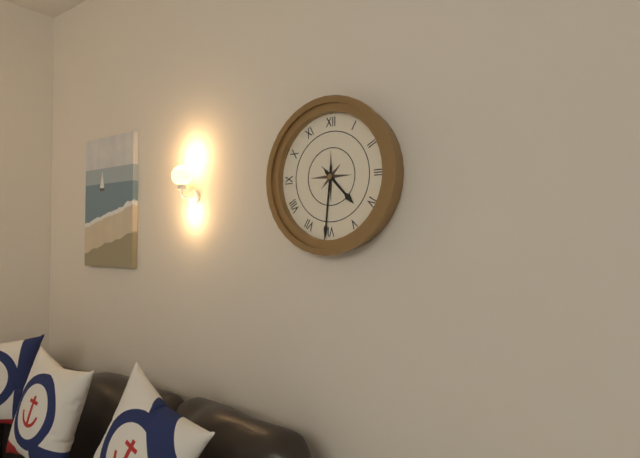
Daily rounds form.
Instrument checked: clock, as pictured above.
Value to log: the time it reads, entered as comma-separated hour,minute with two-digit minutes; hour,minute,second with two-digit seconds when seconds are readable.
4,31
